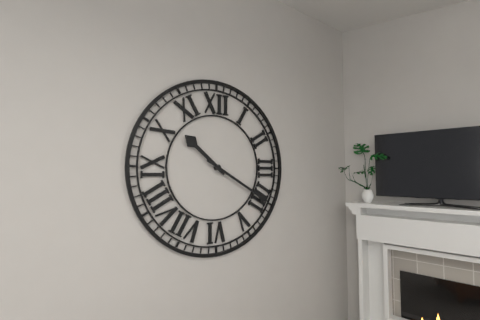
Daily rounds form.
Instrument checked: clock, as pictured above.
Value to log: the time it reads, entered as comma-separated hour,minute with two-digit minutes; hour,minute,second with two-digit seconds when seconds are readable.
10,20
